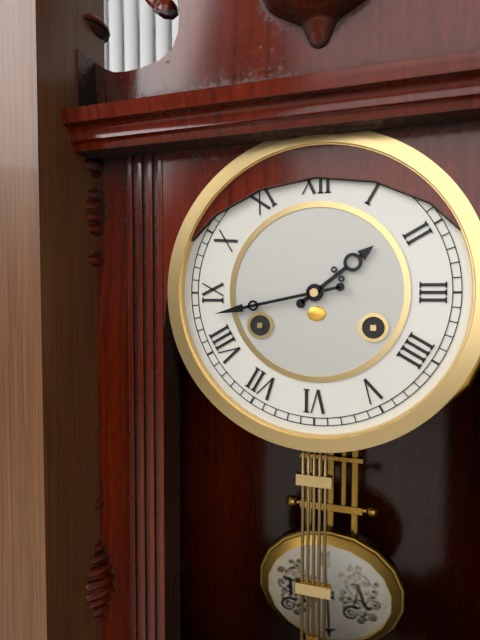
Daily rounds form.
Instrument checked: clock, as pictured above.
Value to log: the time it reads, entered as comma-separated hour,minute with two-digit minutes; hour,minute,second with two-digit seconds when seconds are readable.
1,43
